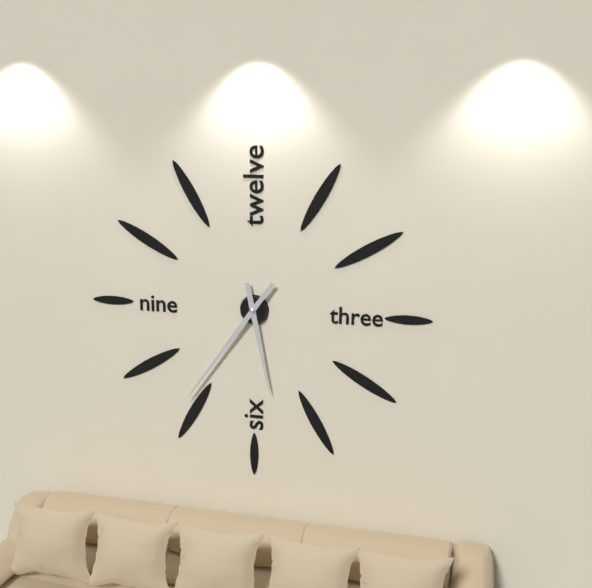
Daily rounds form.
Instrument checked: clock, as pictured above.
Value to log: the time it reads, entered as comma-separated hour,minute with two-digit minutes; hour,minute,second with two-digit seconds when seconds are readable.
5,36
